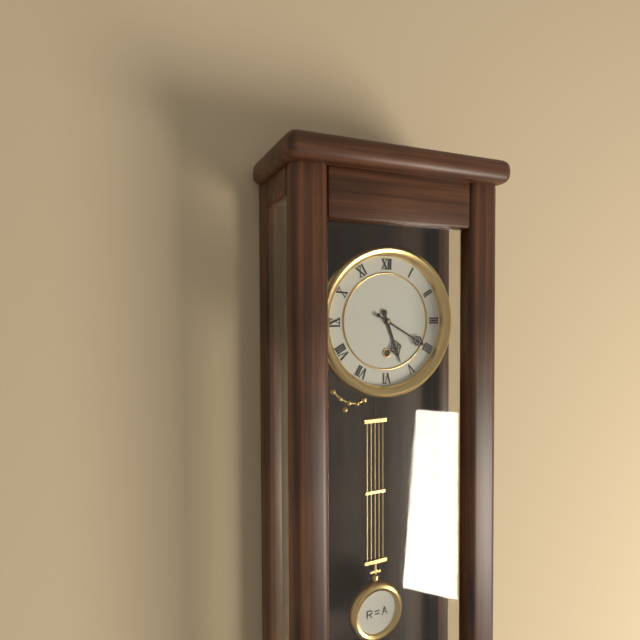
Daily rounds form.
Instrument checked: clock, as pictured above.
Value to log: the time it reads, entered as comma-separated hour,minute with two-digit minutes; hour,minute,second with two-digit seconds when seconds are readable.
5,20
